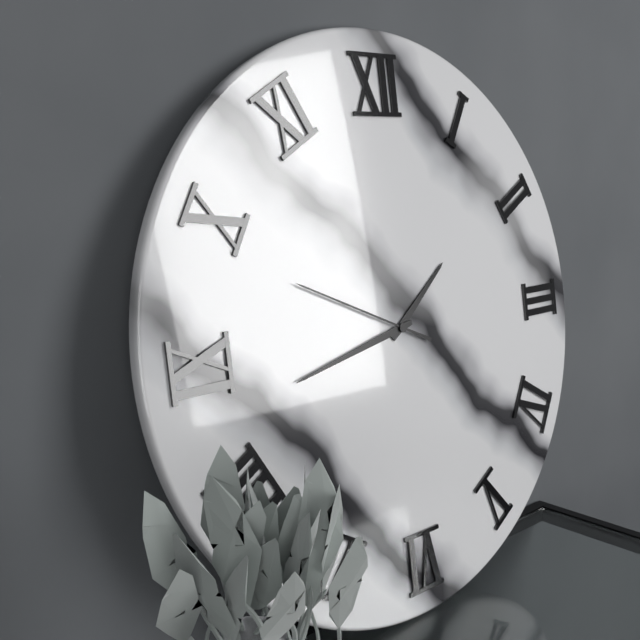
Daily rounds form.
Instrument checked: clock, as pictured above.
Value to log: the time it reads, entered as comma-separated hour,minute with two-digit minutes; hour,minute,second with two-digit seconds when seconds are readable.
1,43,49
